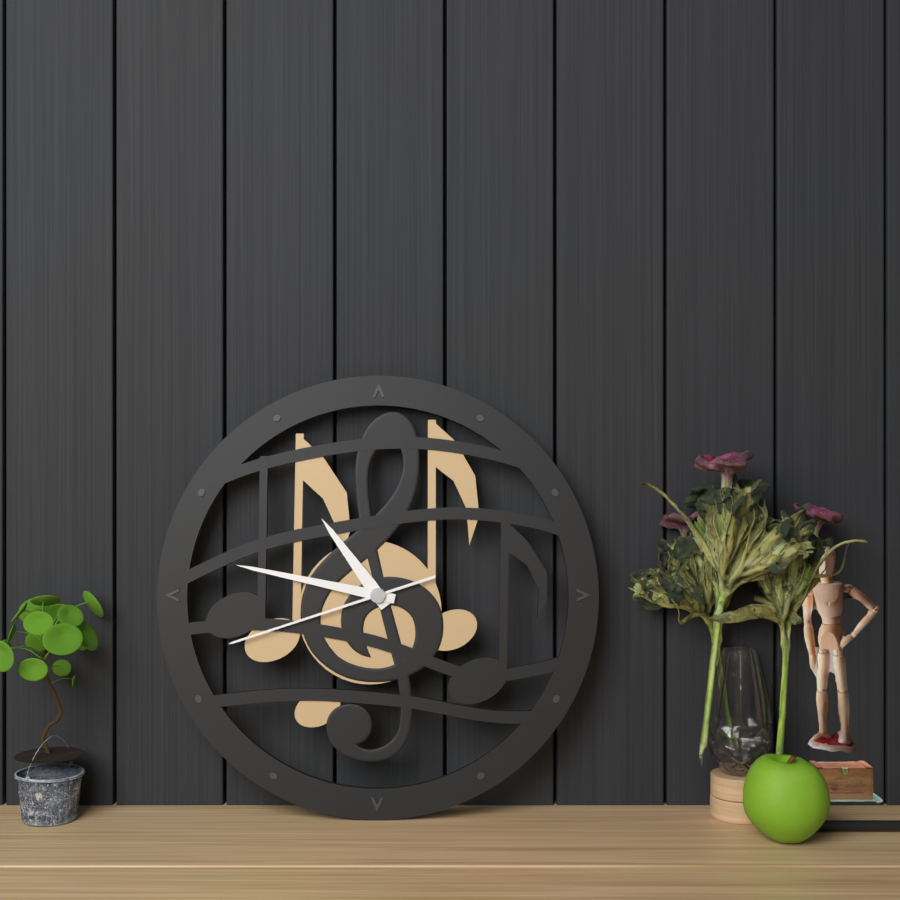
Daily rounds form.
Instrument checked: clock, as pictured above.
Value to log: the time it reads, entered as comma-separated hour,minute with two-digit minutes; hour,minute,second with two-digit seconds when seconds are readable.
10,47,42
